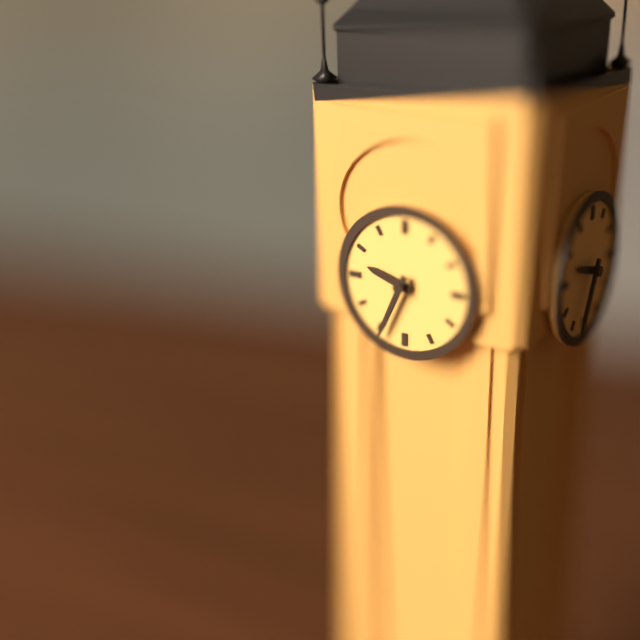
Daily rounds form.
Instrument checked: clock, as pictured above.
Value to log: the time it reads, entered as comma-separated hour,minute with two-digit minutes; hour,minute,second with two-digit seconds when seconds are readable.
9,34
